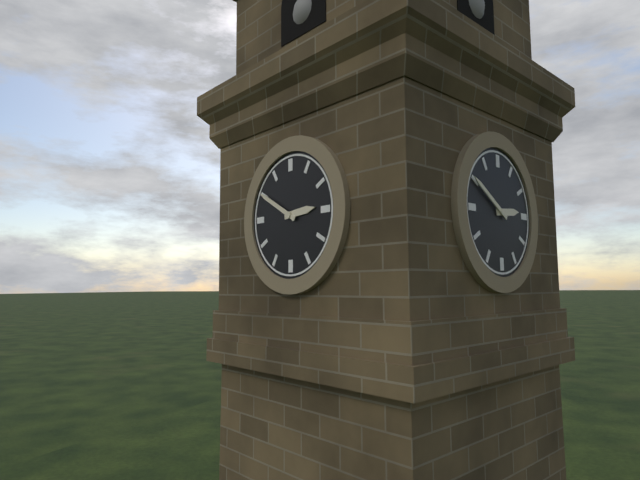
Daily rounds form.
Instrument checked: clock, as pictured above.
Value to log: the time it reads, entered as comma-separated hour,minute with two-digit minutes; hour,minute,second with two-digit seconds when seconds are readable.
2,50
